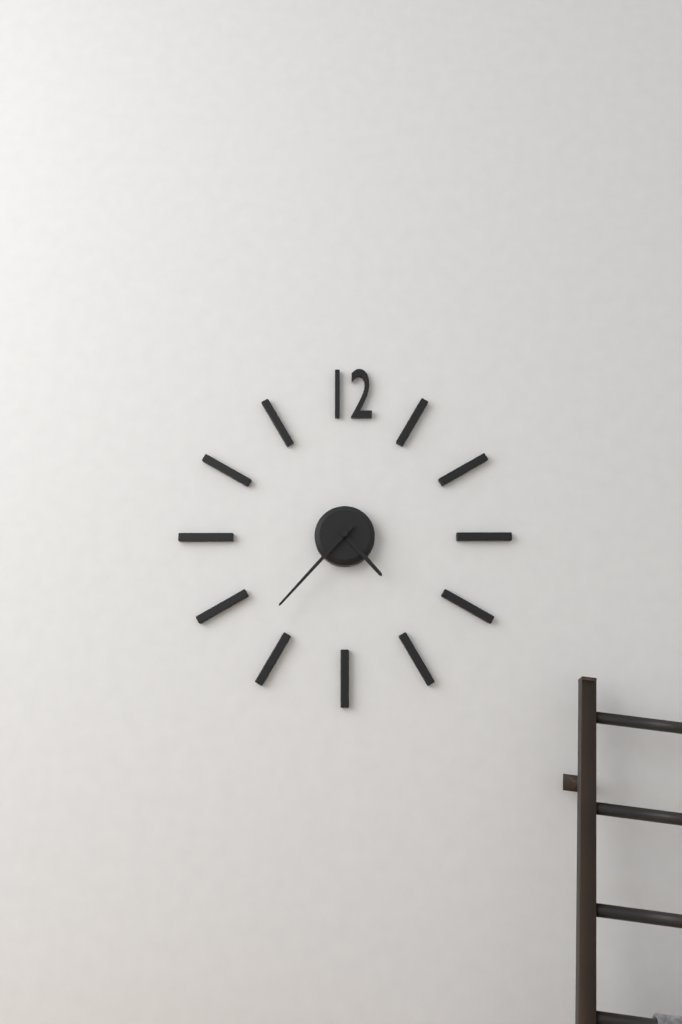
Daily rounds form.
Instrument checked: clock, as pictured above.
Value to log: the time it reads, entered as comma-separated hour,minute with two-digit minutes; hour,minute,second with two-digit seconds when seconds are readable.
4,37
